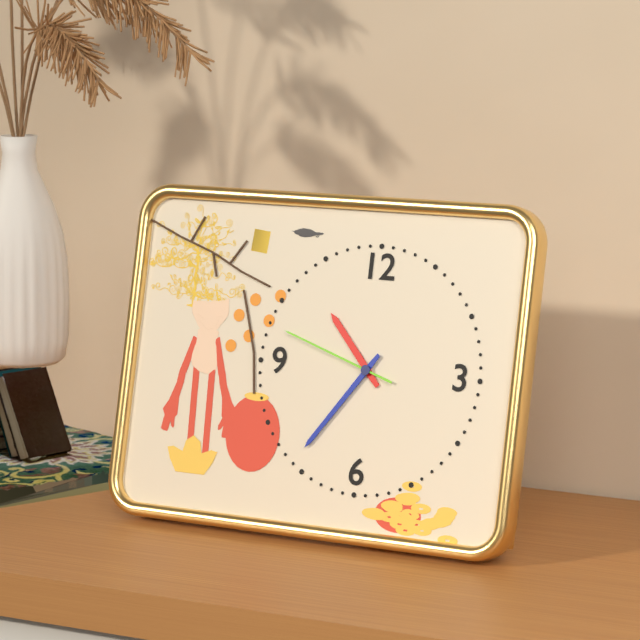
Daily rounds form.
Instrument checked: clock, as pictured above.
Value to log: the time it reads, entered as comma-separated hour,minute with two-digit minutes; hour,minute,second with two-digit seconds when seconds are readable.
10,36,48
